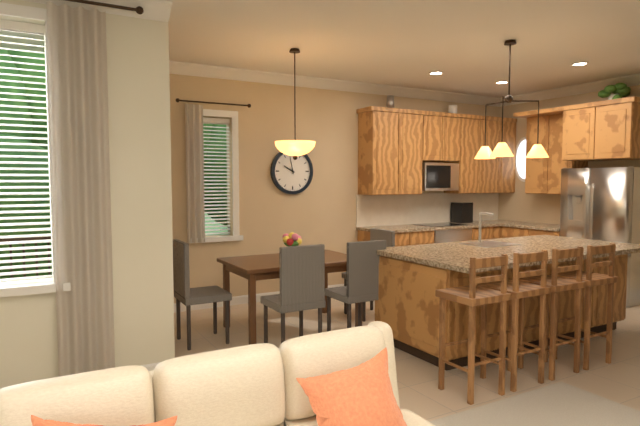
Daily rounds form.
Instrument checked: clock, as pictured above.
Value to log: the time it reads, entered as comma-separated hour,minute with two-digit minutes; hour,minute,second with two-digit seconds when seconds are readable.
9,58
